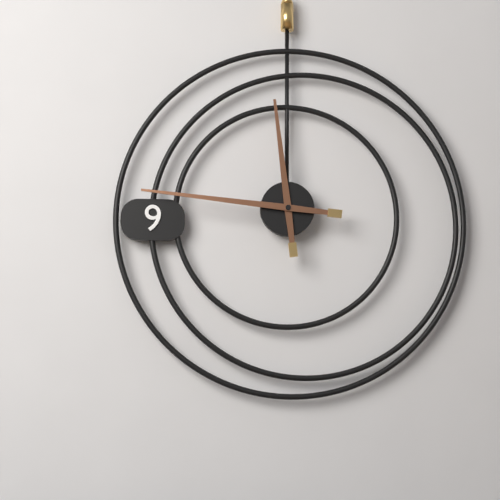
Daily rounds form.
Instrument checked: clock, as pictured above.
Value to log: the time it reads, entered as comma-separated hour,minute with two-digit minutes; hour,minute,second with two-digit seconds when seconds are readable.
11,46
